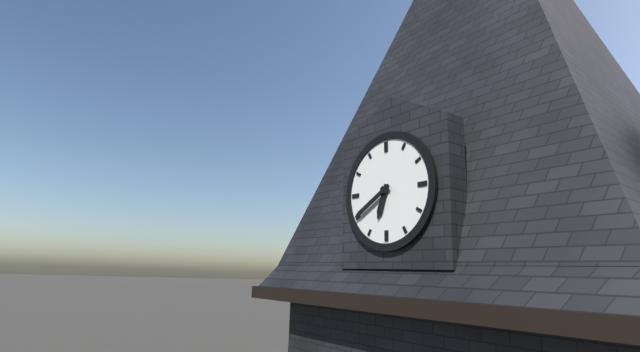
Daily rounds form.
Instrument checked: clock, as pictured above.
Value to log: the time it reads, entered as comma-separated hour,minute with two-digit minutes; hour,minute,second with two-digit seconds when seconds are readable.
6,40
